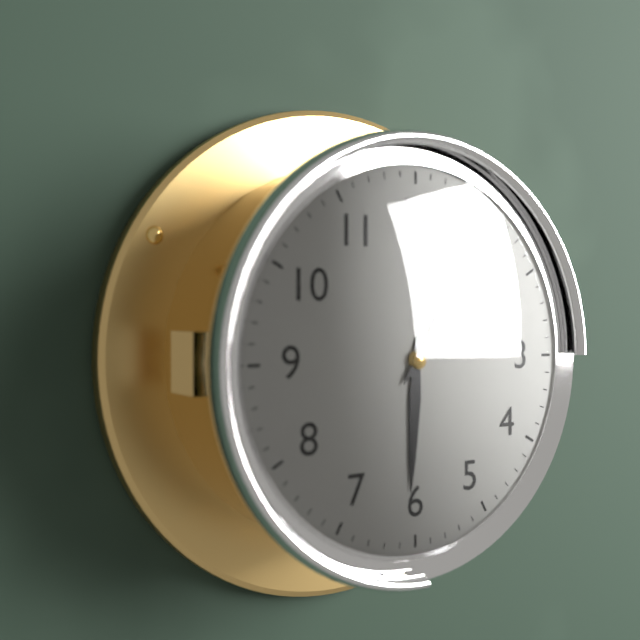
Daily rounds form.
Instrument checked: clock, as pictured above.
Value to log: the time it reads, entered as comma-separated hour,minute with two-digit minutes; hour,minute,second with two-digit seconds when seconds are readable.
6,06
